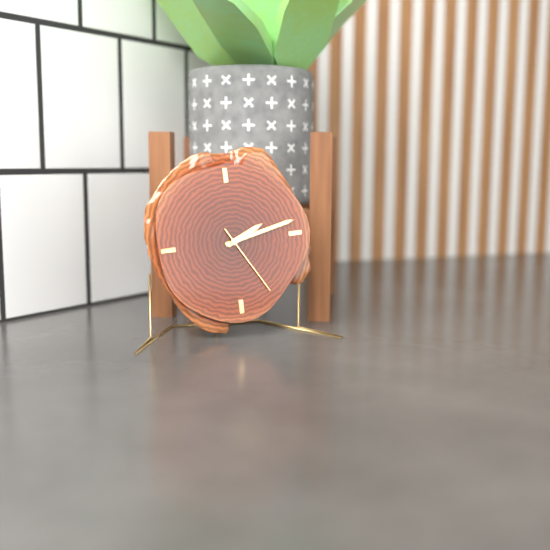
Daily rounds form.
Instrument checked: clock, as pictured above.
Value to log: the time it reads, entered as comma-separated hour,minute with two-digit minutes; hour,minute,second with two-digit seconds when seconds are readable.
2,13,25
